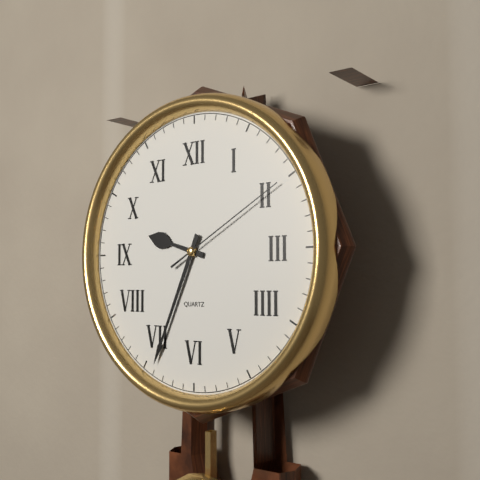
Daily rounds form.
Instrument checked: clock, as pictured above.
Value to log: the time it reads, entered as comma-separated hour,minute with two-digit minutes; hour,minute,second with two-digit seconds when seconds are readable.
9,34,10
